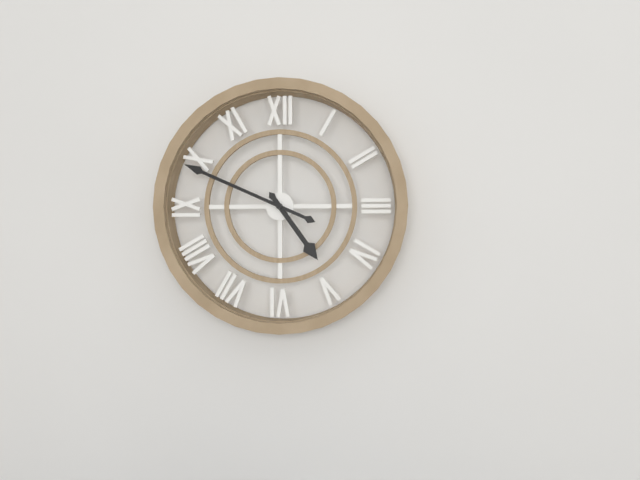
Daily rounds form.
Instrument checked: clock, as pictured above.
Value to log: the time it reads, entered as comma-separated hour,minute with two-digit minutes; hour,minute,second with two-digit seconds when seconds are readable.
4,49
